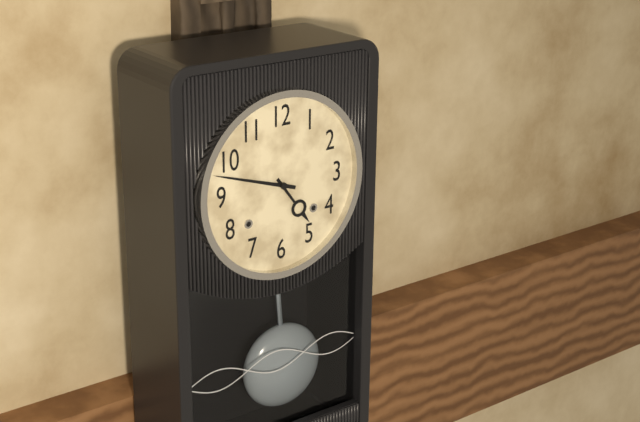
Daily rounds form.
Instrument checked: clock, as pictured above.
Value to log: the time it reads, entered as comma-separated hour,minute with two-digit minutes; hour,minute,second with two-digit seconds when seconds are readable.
4,48
